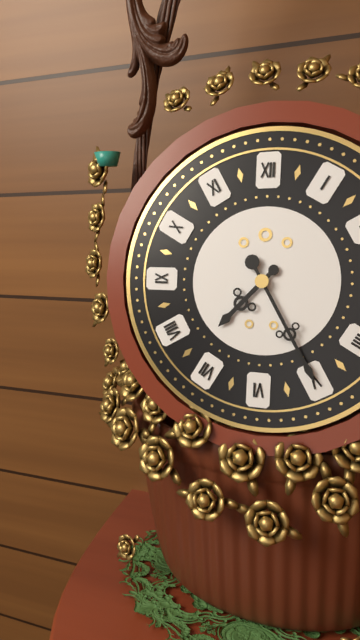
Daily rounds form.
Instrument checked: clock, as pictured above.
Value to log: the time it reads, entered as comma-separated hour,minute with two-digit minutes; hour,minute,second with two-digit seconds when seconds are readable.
7,25
